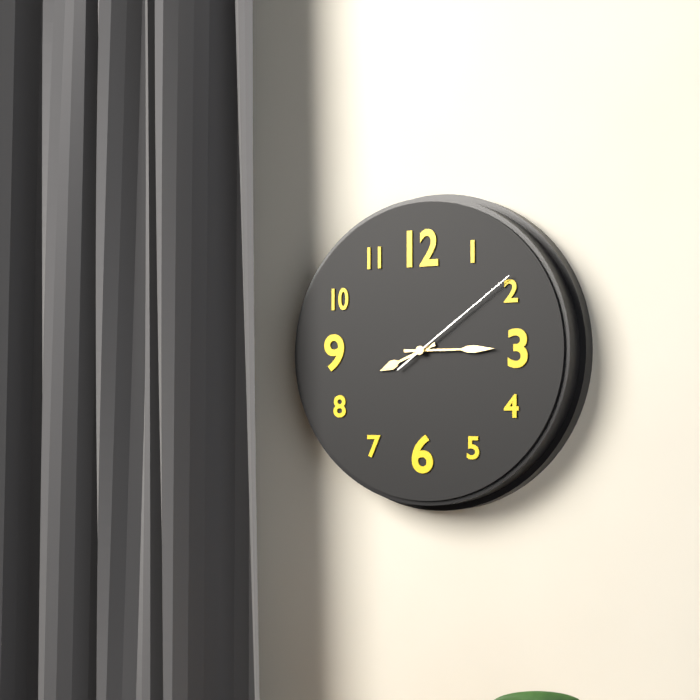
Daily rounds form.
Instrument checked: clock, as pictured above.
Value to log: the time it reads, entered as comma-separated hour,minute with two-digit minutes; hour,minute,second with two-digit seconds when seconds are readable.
8,15,09
